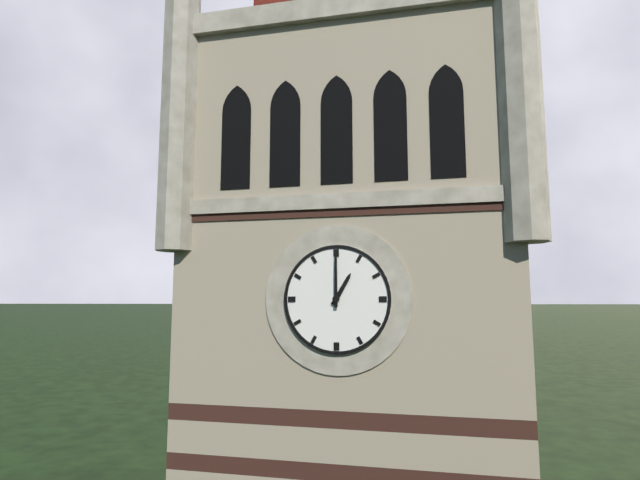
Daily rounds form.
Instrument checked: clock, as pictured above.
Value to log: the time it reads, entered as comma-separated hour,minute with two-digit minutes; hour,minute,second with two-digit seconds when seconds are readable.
1,00
